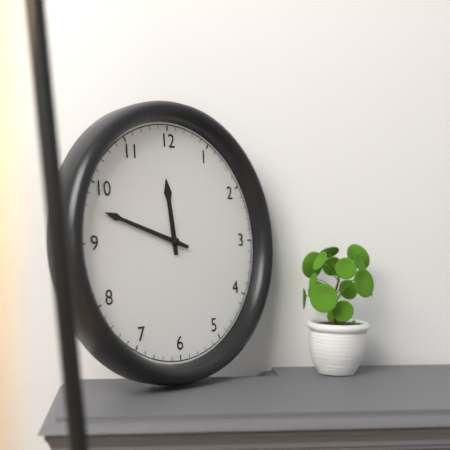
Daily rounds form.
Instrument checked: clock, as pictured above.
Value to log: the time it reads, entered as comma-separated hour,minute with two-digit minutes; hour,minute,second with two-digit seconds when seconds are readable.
11,48
